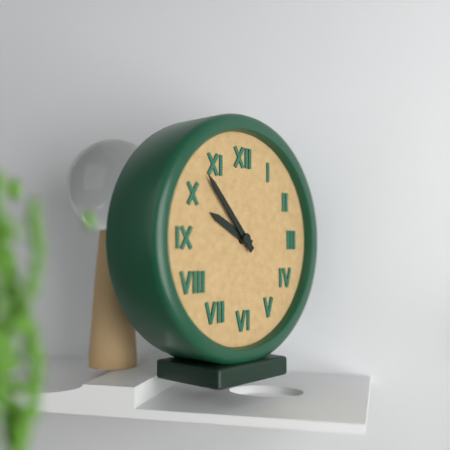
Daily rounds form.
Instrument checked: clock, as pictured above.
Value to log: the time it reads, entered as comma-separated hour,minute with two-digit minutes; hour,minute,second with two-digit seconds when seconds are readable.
9,53
